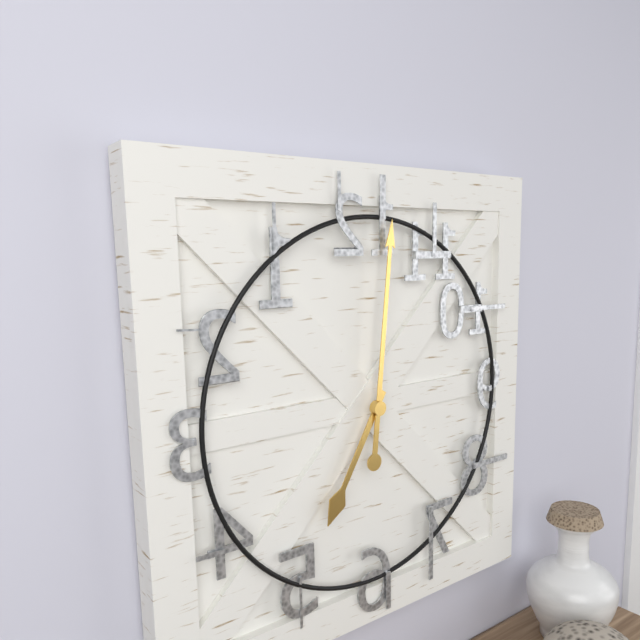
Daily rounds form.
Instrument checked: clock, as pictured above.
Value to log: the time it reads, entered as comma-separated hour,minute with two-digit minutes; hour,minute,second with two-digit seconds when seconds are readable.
7,01
